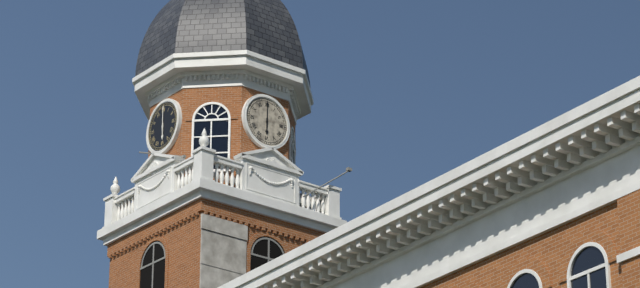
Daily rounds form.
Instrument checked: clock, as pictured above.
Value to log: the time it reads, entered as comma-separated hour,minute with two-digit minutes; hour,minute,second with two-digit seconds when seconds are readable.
6,00
